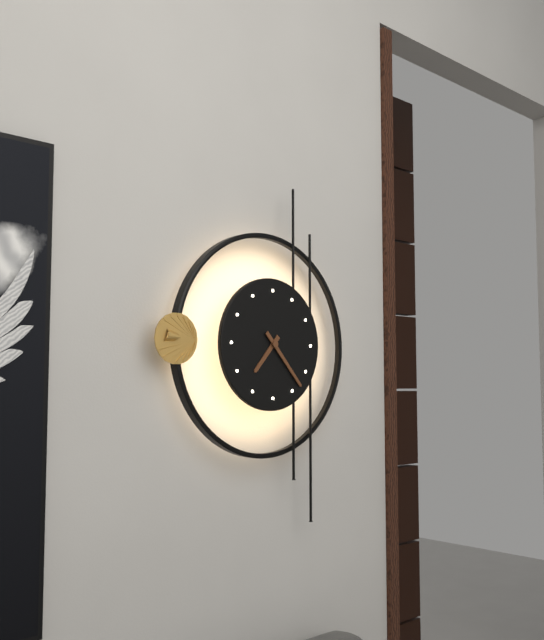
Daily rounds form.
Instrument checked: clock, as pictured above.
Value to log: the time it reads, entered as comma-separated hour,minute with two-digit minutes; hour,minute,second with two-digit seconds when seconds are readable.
7,23
